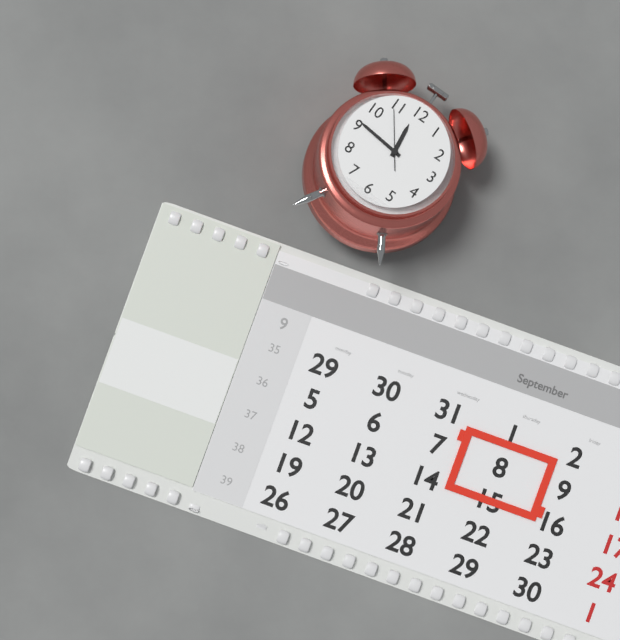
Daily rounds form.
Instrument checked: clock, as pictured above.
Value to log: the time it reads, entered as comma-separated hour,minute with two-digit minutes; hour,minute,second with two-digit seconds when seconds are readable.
11,46,54
